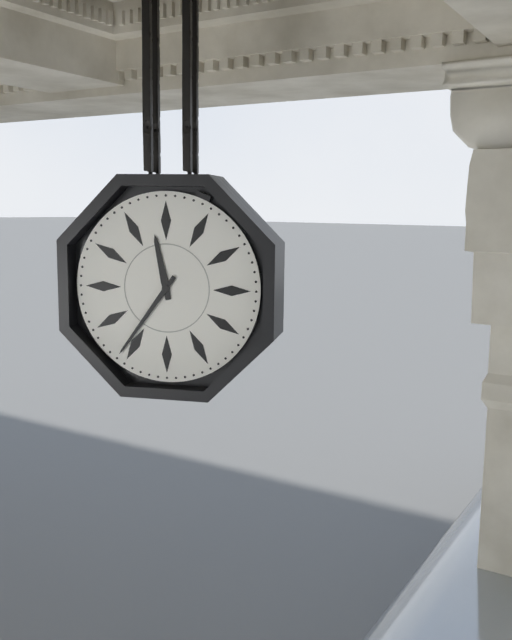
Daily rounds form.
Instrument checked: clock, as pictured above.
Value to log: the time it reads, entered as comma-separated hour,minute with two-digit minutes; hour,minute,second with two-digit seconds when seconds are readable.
11,36
